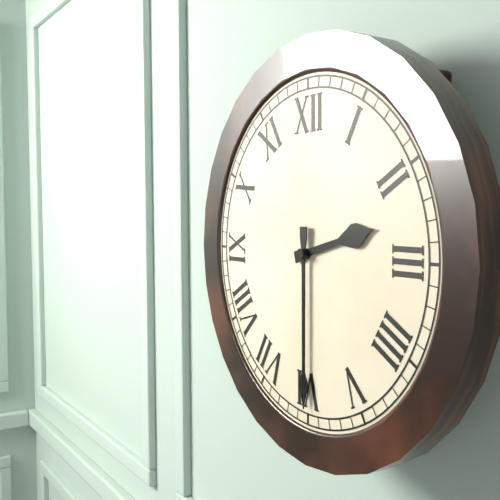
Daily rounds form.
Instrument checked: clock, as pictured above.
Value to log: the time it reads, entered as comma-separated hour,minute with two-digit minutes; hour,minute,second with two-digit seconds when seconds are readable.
2,30
